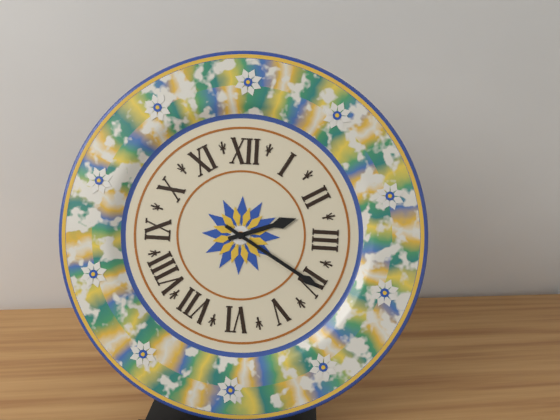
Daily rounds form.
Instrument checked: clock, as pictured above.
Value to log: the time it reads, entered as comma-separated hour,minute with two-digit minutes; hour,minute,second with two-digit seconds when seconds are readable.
2,20
